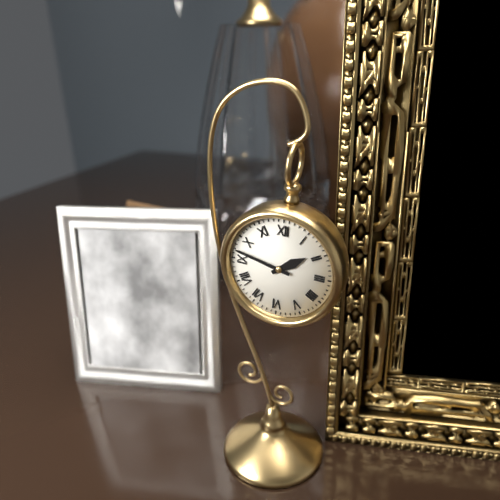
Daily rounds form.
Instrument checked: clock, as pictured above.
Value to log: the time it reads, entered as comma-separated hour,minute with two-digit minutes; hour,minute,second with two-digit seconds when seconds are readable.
1,47
